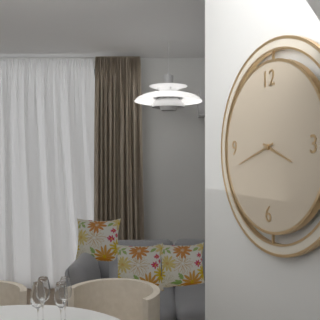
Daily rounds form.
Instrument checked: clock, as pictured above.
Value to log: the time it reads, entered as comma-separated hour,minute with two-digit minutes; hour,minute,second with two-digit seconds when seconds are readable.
3,42
